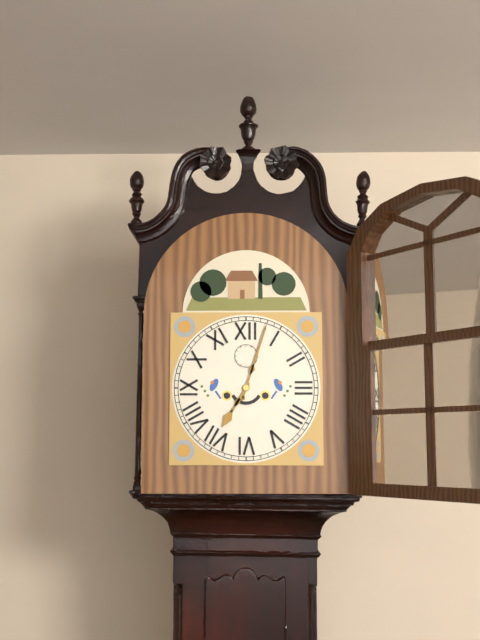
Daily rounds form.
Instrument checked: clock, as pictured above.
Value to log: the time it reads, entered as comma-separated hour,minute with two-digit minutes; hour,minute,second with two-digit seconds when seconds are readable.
7,03
